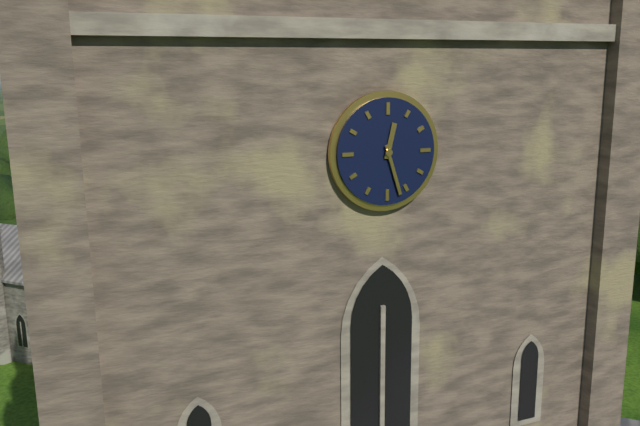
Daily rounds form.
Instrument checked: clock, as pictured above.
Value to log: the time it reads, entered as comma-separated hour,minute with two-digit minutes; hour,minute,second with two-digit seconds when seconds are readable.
12,27
